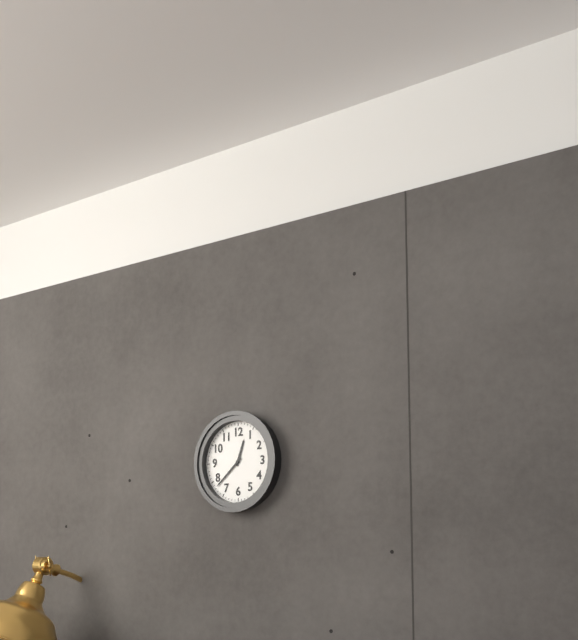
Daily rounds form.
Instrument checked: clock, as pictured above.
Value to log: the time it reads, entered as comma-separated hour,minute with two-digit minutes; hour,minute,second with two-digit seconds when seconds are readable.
12,38
